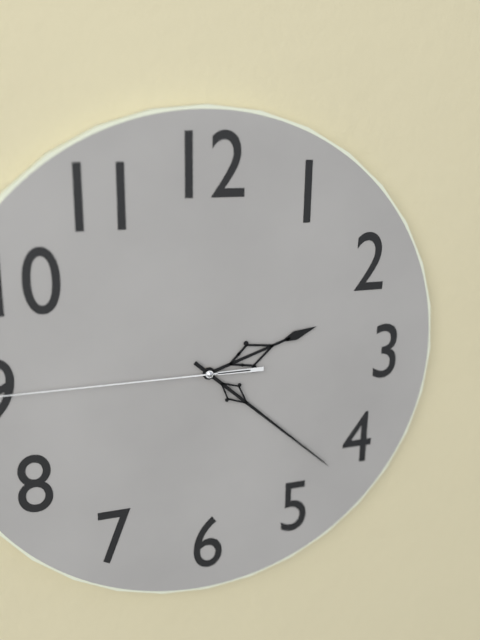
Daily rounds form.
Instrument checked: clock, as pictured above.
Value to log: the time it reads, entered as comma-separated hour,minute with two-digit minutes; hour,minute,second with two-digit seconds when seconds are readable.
2,22
